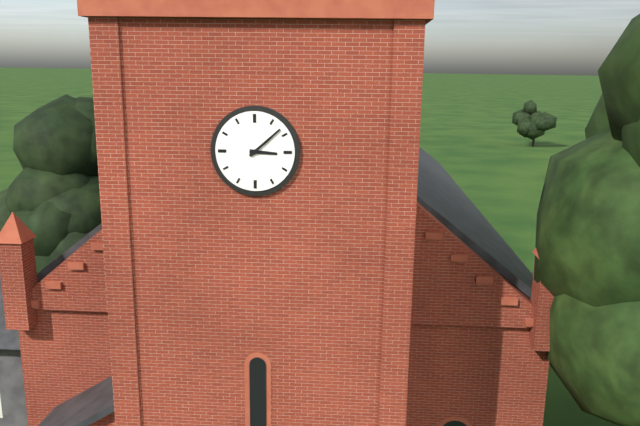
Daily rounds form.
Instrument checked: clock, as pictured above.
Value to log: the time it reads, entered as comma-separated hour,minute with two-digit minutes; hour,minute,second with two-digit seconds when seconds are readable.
3,08
